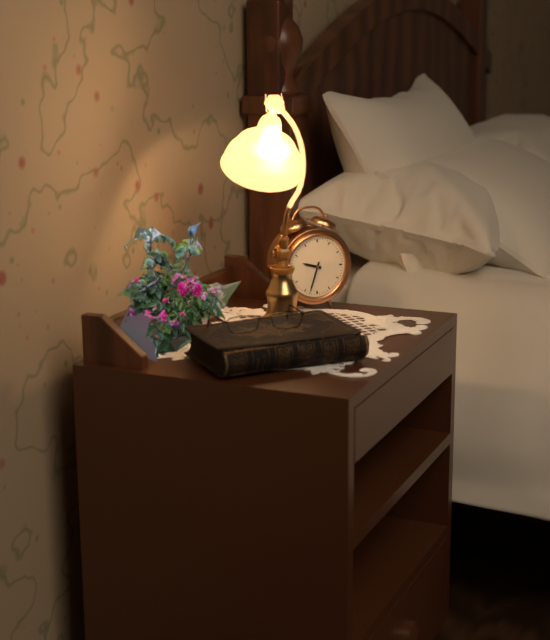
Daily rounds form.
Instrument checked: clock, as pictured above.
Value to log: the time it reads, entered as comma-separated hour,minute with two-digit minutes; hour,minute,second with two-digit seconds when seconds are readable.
9,33
